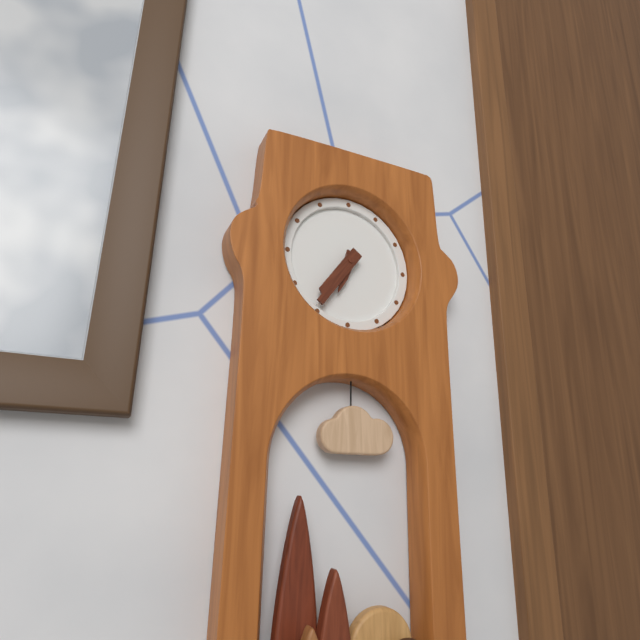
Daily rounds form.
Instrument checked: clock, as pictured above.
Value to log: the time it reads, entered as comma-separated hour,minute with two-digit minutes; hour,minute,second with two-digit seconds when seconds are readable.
6,36
